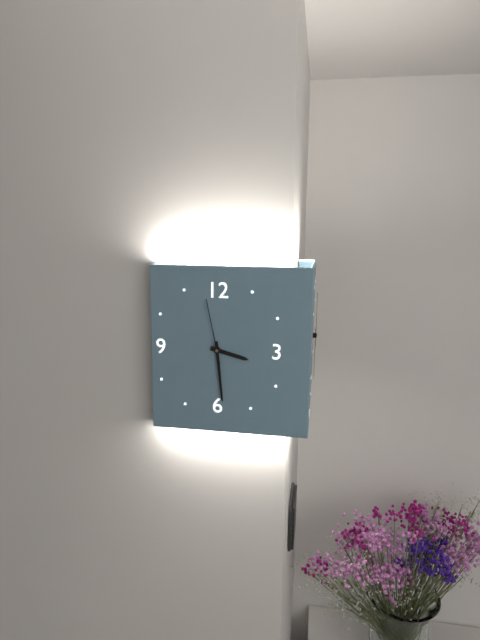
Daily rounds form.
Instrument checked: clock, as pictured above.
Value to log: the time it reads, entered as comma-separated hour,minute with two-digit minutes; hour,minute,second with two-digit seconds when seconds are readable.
3,29,58
